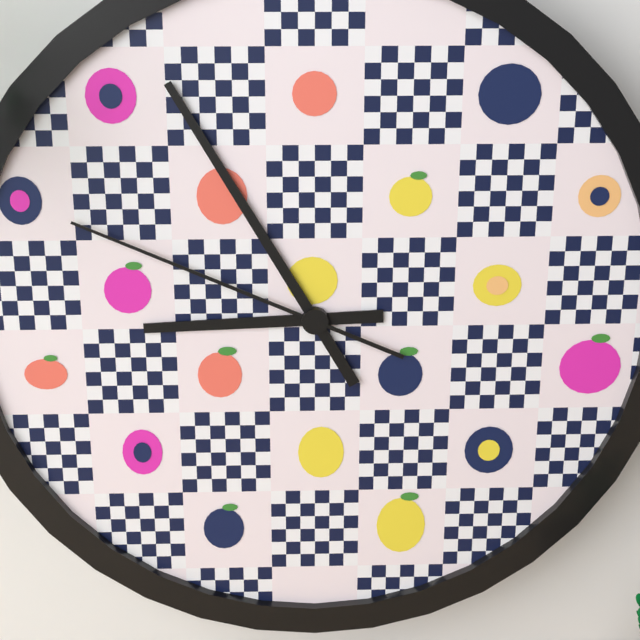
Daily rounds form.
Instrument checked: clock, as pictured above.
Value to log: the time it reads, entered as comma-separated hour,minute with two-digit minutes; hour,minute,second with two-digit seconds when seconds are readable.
8,55,49
